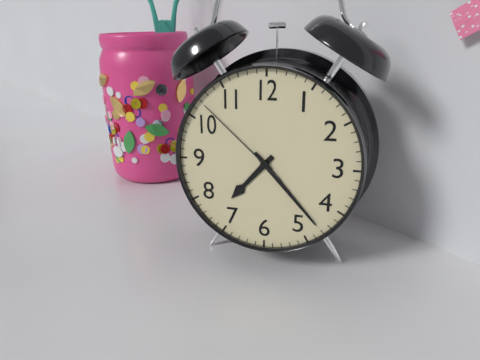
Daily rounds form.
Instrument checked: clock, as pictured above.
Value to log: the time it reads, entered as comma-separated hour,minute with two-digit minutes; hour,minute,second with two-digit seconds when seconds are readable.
7,23,52
